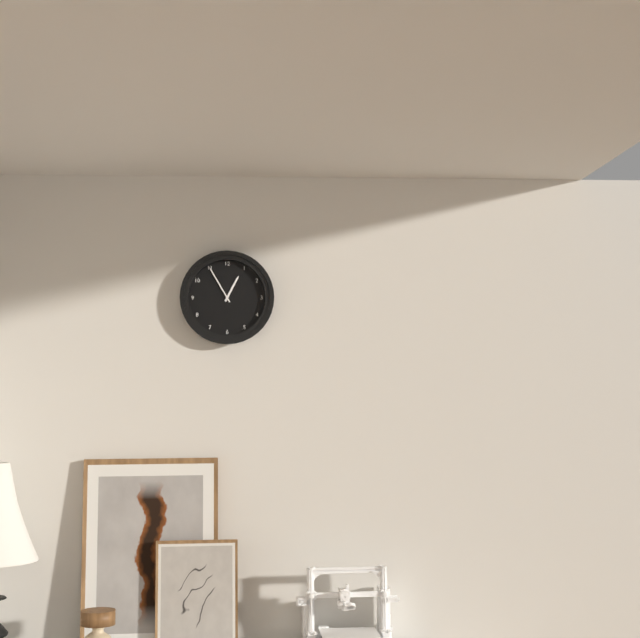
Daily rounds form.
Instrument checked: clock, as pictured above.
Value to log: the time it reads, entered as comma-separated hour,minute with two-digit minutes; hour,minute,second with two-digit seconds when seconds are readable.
12,55
